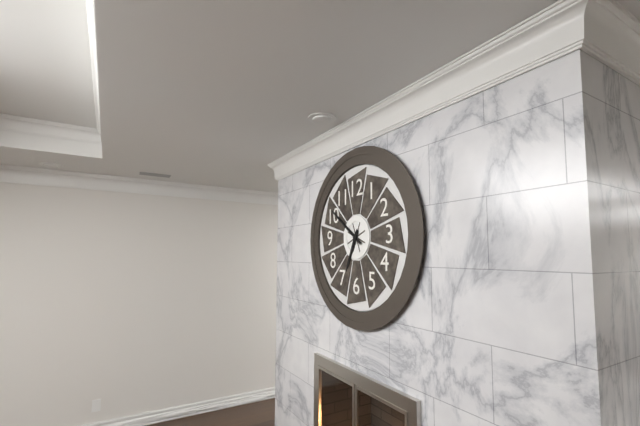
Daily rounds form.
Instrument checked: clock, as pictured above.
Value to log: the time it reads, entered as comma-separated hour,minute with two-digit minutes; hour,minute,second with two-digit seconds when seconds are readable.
6,51
